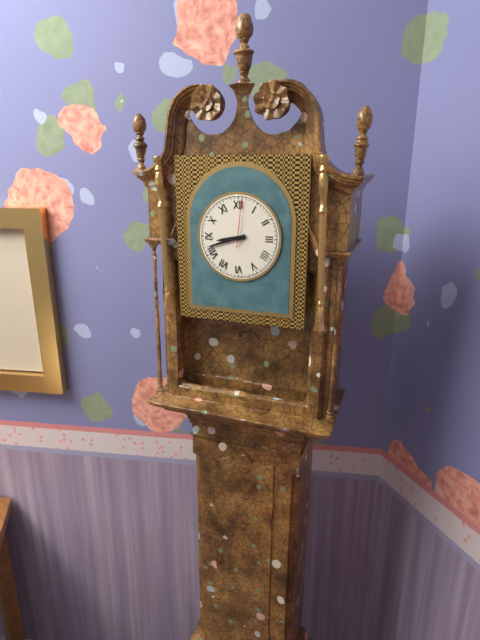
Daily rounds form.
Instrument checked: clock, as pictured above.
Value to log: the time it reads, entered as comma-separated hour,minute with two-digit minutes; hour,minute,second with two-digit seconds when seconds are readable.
8,42
